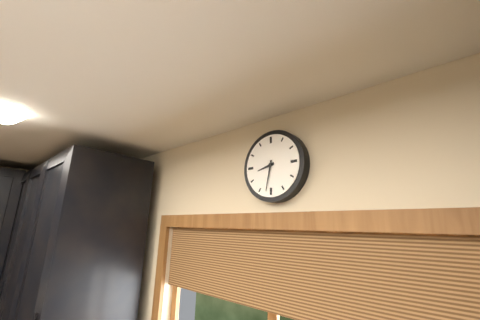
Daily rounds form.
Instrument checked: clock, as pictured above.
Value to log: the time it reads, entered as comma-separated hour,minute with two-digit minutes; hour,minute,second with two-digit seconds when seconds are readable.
8,32
